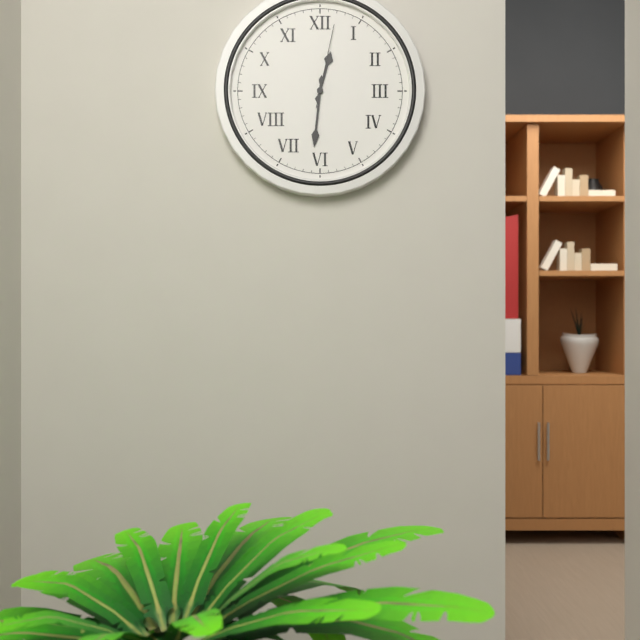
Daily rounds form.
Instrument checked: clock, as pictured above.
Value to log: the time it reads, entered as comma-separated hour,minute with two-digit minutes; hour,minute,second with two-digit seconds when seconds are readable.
12,31,02
